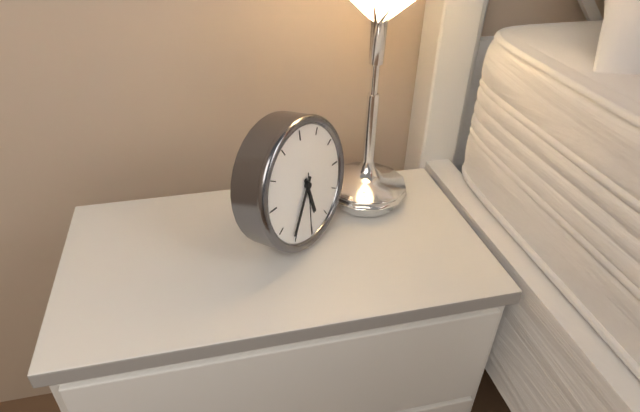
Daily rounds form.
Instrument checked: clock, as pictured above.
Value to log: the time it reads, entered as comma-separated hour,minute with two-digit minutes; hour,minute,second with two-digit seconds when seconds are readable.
5,36,31
